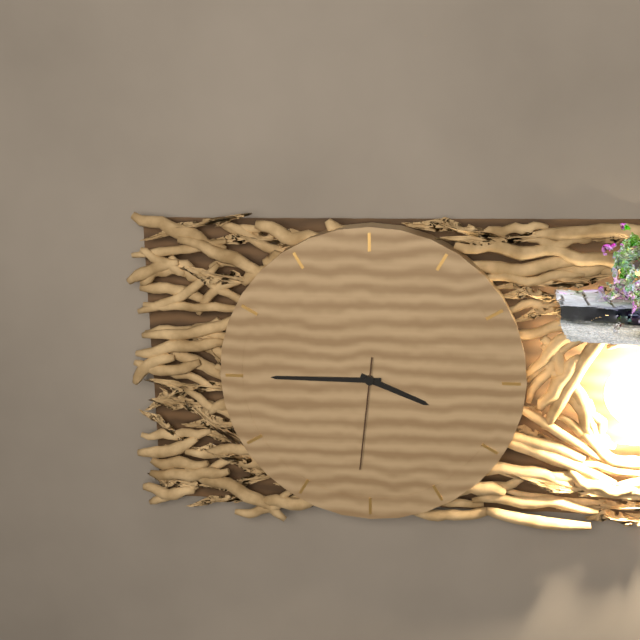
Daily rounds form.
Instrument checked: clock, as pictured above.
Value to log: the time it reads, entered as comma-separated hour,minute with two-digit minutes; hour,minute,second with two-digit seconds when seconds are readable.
3,45,31
